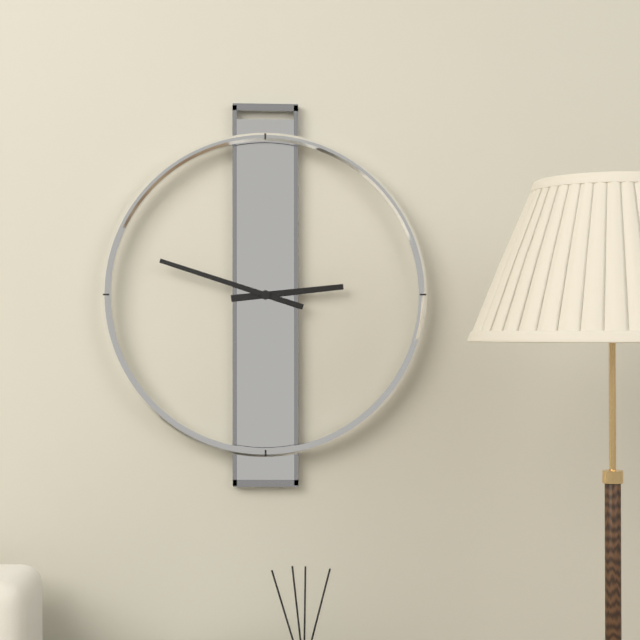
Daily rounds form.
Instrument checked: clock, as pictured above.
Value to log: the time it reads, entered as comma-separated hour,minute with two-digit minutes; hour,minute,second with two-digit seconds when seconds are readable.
2,48
